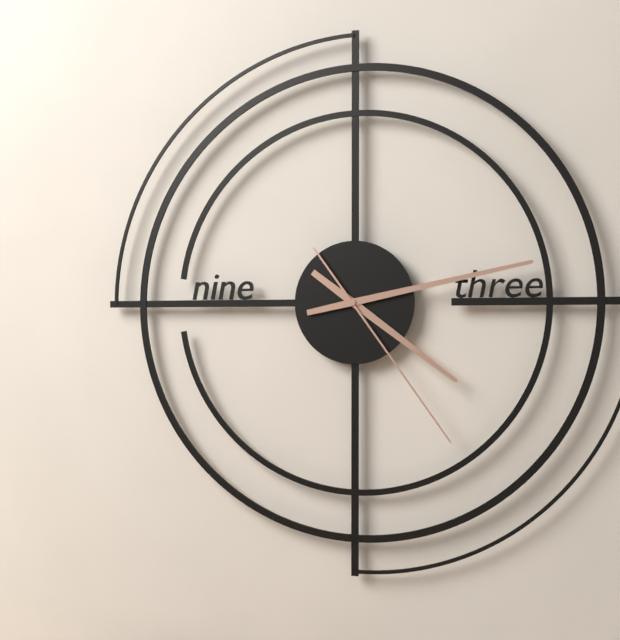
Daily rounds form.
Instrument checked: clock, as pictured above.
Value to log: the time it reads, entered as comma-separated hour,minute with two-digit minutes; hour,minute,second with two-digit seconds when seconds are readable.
4,13,24
